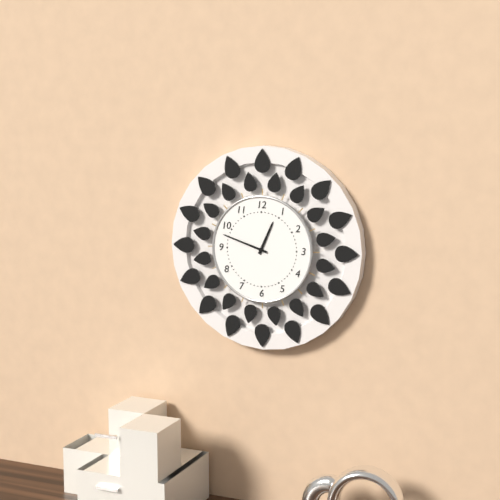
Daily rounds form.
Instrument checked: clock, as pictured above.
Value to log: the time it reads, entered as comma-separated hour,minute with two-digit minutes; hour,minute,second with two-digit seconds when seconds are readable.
12,48
